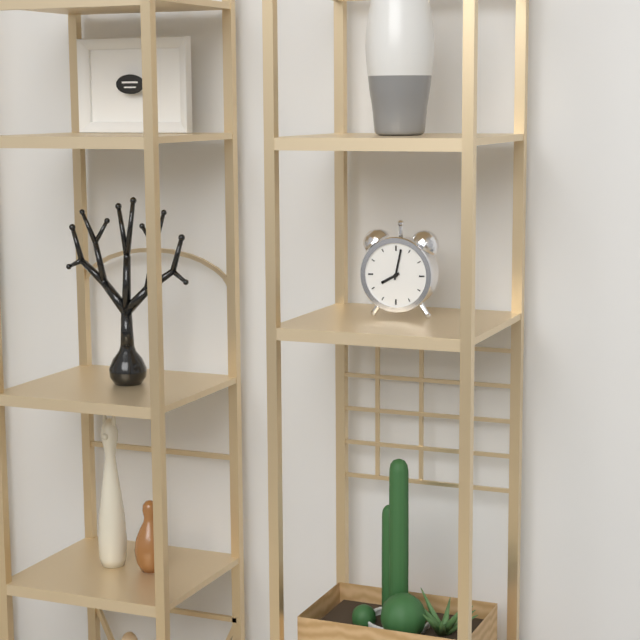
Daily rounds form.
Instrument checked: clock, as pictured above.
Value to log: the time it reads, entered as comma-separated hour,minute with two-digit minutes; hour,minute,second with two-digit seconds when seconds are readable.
8,02
